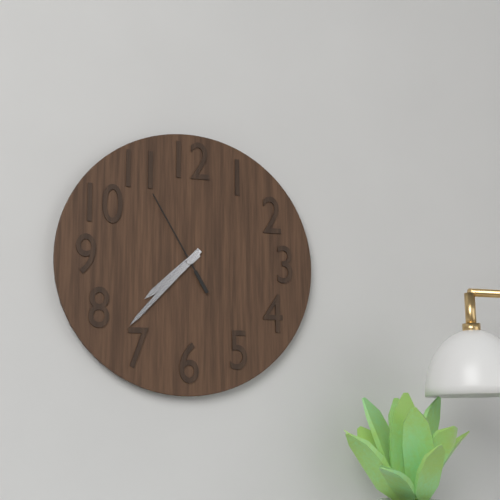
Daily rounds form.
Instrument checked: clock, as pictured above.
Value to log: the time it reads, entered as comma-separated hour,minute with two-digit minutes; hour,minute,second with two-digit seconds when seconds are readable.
7,37,55
